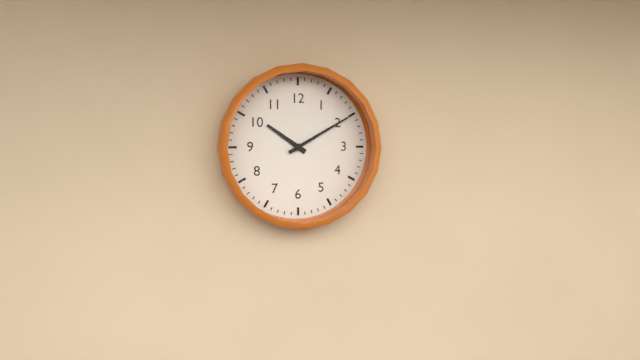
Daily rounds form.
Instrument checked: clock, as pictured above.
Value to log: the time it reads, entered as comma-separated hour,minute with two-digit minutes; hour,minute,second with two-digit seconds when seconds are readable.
10,10
